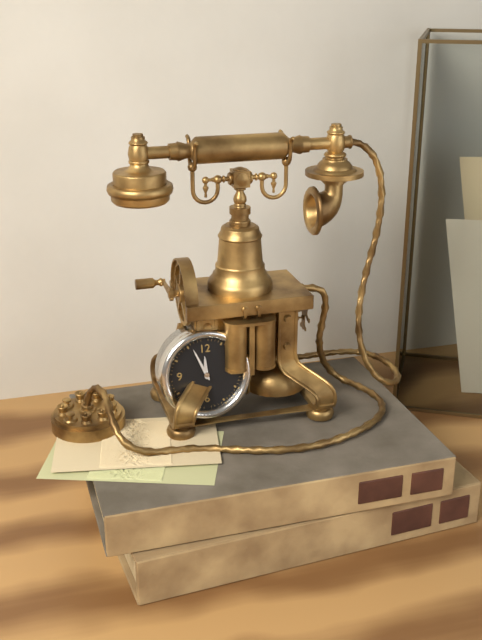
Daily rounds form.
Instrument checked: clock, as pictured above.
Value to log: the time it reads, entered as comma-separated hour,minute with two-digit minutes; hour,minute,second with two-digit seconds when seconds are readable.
11,56
